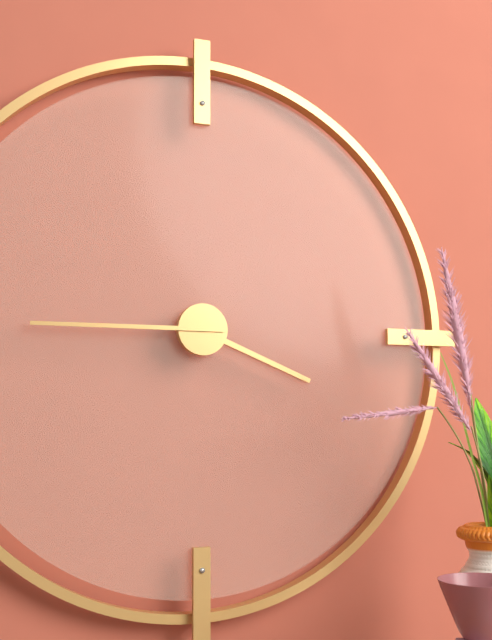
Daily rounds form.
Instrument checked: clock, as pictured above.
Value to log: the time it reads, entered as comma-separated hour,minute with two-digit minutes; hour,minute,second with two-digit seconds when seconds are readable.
3,45
